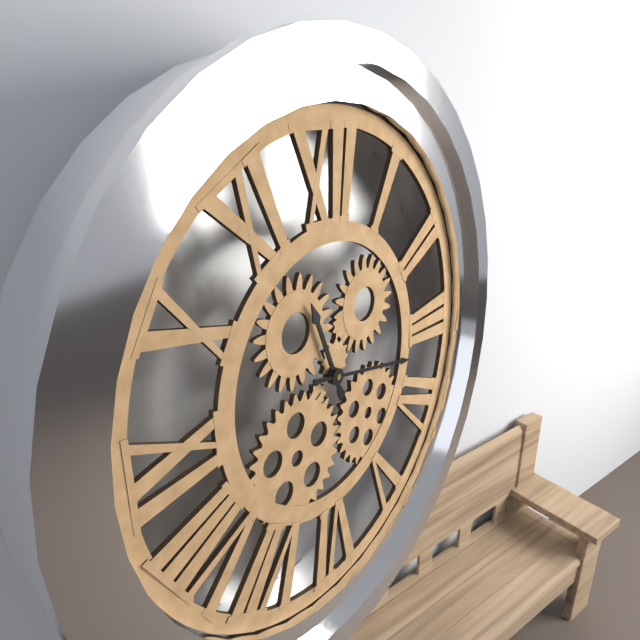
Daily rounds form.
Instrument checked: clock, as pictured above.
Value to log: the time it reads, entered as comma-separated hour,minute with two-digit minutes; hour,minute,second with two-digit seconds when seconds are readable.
11,17
